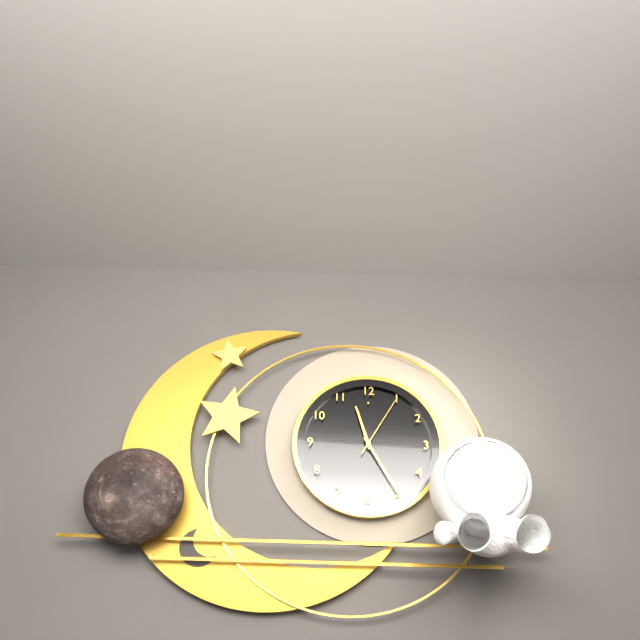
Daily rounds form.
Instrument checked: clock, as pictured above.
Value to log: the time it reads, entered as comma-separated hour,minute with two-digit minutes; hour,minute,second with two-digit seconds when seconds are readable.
11,25,05
